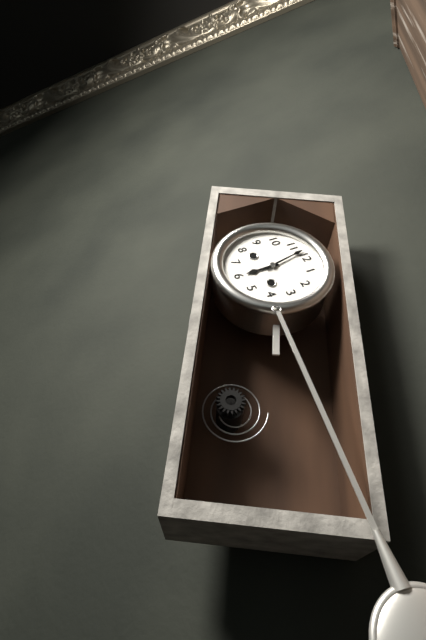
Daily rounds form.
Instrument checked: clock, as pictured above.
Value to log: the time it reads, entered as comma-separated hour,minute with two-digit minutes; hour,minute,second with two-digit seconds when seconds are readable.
5,58
